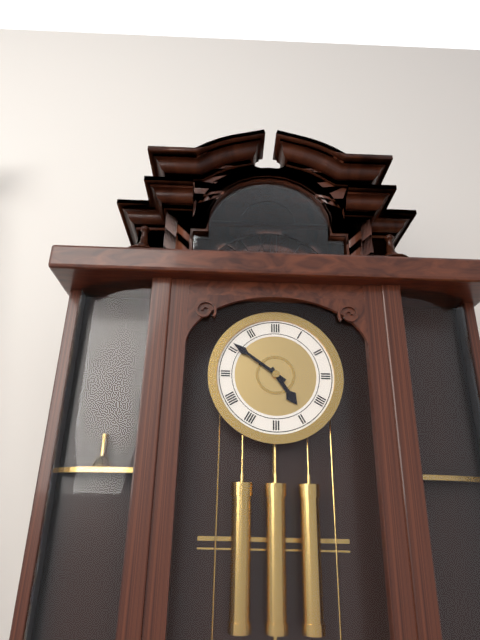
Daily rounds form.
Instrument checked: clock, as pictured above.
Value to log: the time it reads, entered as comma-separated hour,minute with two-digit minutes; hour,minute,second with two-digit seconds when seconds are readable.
4,51
